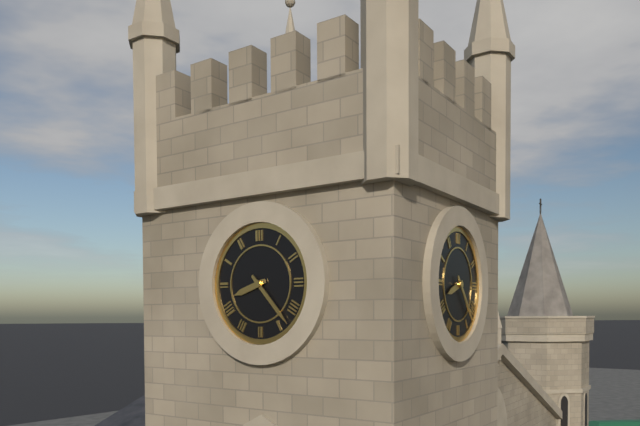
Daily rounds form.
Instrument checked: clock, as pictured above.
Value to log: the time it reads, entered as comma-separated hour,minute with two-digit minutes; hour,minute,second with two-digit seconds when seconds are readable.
8,23
